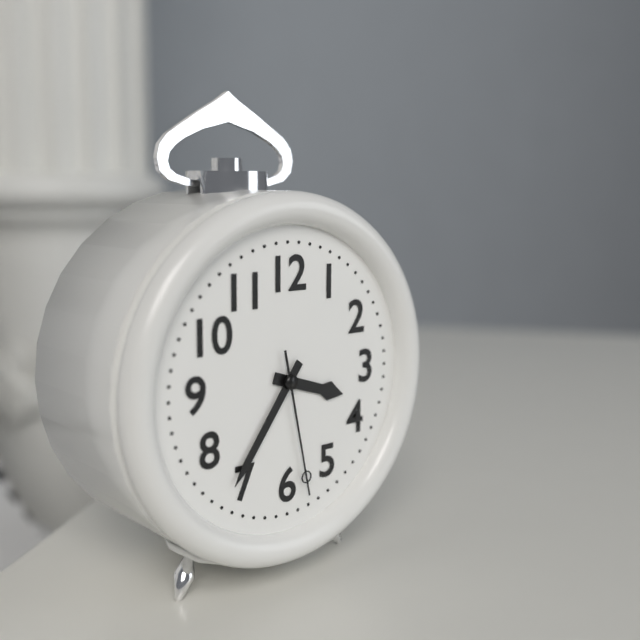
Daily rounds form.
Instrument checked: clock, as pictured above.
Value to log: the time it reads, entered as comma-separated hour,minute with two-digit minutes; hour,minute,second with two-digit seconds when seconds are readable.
3,36,28
